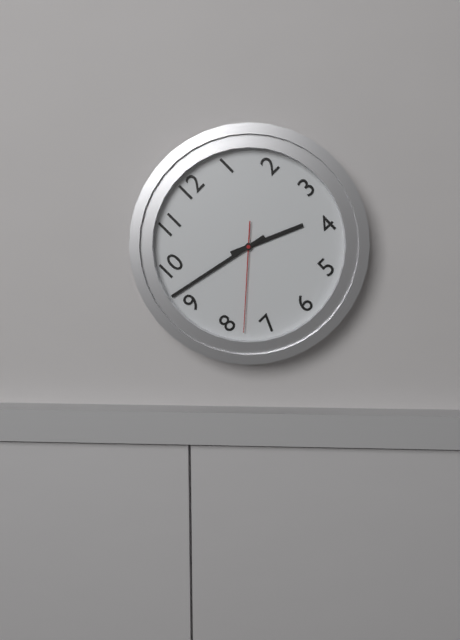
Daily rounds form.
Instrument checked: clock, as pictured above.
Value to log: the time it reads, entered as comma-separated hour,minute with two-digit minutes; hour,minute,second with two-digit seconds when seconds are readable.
3,47,38
